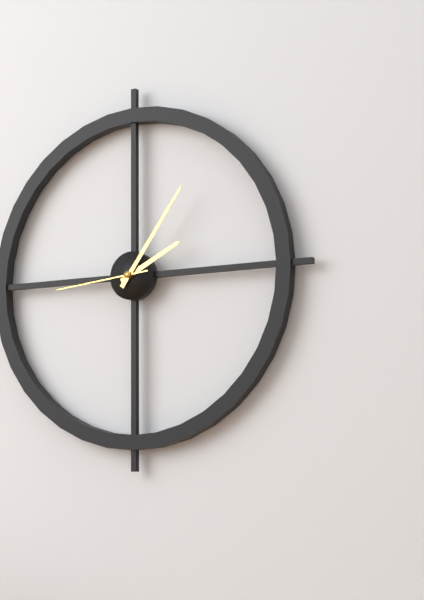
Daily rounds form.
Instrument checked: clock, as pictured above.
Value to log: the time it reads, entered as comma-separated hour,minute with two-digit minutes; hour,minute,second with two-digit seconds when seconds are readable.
2,06,44
